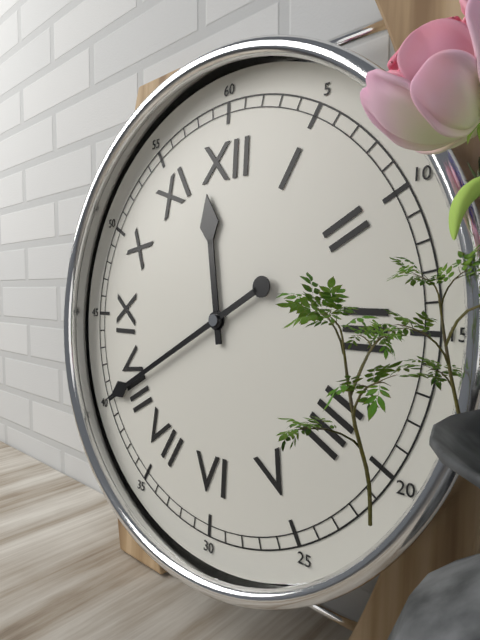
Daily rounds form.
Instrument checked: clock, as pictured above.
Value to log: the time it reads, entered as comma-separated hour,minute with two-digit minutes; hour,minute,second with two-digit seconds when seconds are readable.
11,40
